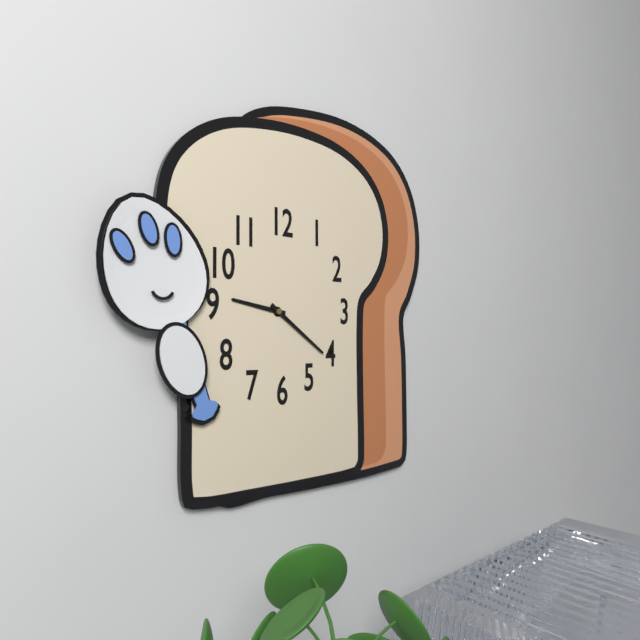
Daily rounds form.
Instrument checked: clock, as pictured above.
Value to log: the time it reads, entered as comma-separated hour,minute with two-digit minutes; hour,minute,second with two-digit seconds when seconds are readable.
9,21
